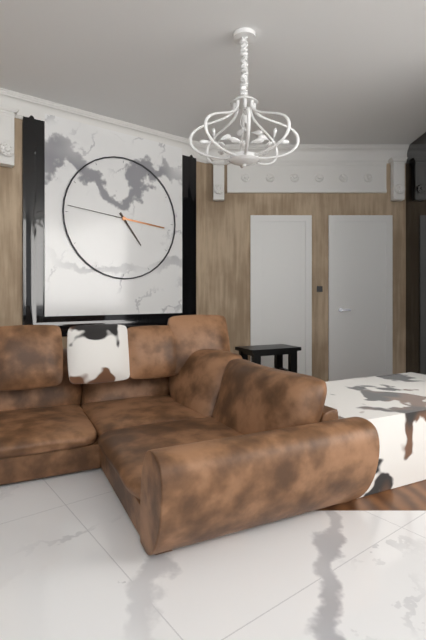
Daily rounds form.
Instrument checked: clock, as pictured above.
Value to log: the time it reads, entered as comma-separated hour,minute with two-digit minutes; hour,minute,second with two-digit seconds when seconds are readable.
4,46
